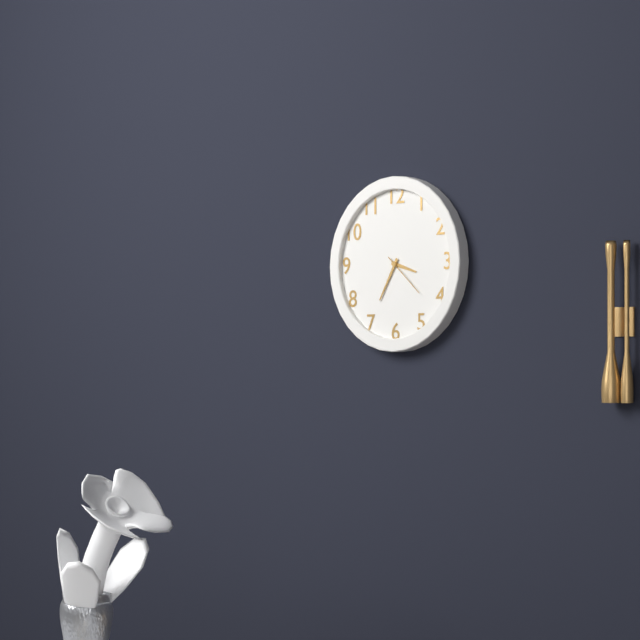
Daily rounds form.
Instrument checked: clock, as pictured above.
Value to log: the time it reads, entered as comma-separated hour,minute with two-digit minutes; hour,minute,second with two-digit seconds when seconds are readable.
3,35
